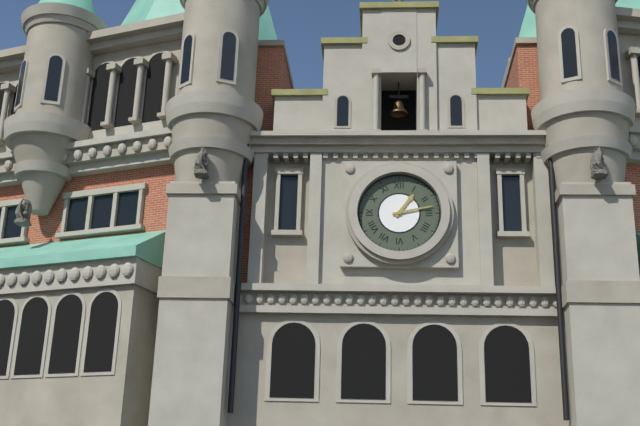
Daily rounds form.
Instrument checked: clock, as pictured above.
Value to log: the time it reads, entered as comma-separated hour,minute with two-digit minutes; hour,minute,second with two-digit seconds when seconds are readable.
1,13
